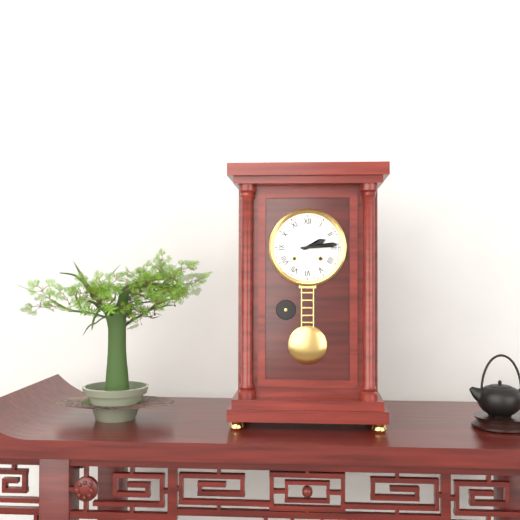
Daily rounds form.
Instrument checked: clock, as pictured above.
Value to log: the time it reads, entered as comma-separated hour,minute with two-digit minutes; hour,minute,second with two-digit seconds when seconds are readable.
2,14
